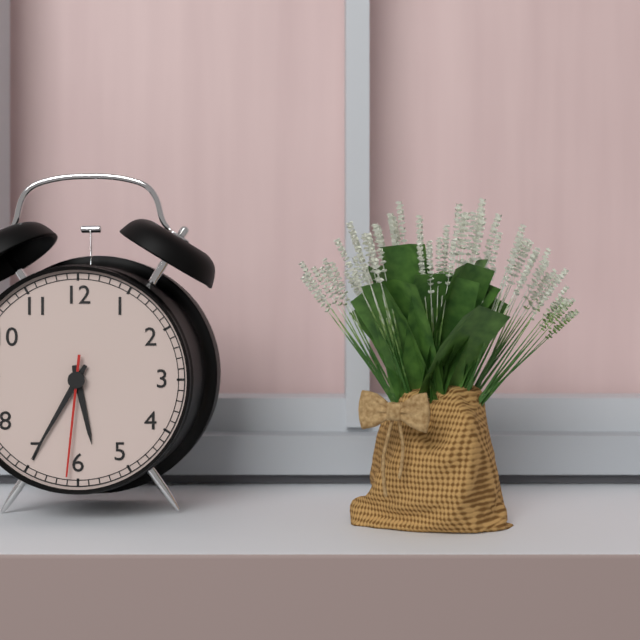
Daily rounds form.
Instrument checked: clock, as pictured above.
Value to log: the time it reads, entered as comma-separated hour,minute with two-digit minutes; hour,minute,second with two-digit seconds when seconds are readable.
5,35,31
